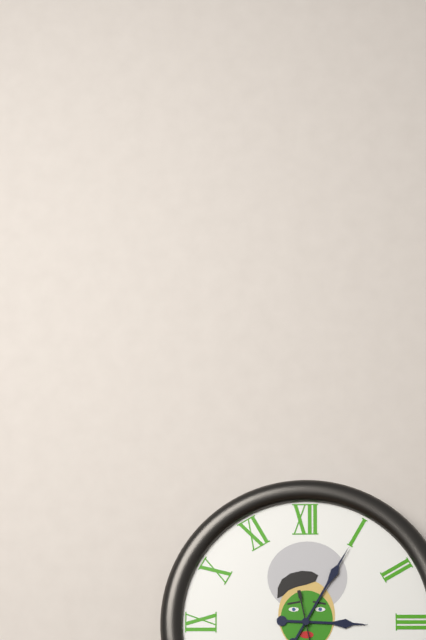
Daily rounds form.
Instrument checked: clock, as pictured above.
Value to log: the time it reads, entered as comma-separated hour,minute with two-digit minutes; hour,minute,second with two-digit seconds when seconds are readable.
3,05
